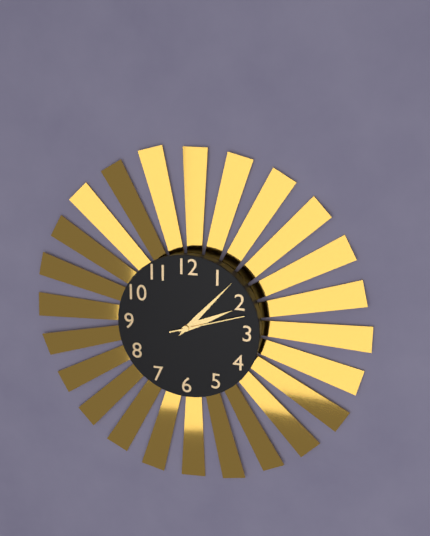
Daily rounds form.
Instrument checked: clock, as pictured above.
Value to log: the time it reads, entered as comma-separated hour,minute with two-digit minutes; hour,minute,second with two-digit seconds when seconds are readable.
2,07,12
